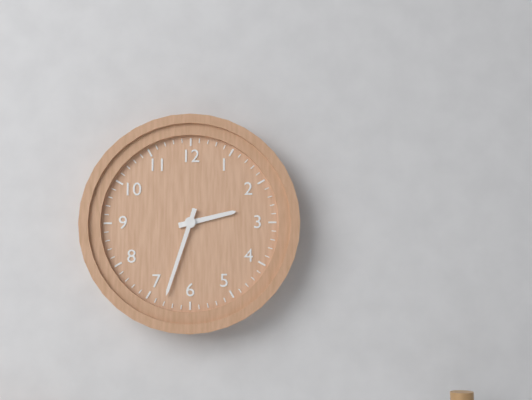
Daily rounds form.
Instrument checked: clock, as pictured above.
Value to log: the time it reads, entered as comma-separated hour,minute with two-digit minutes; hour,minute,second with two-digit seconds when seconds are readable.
2,33
